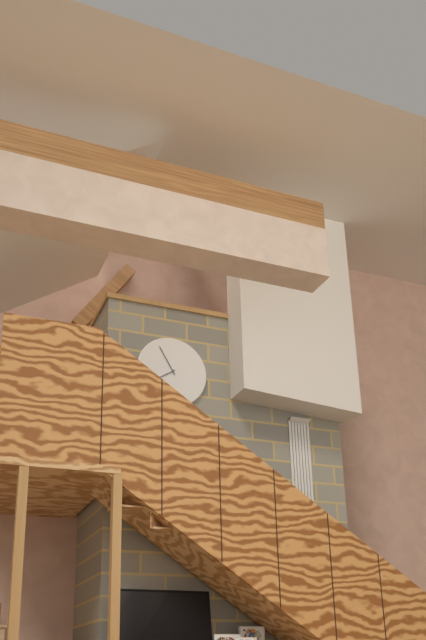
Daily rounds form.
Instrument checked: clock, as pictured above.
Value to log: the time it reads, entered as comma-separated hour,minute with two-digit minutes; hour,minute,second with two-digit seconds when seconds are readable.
7,55
